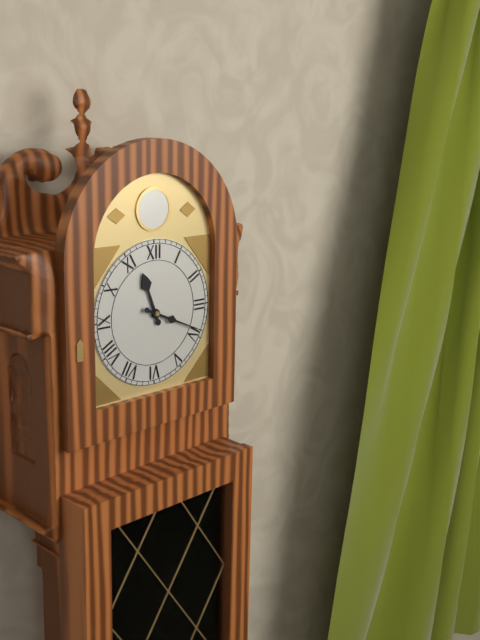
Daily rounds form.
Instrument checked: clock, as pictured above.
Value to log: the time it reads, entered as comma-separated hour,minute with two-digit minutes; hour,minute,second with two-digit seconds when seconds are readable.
11,19
